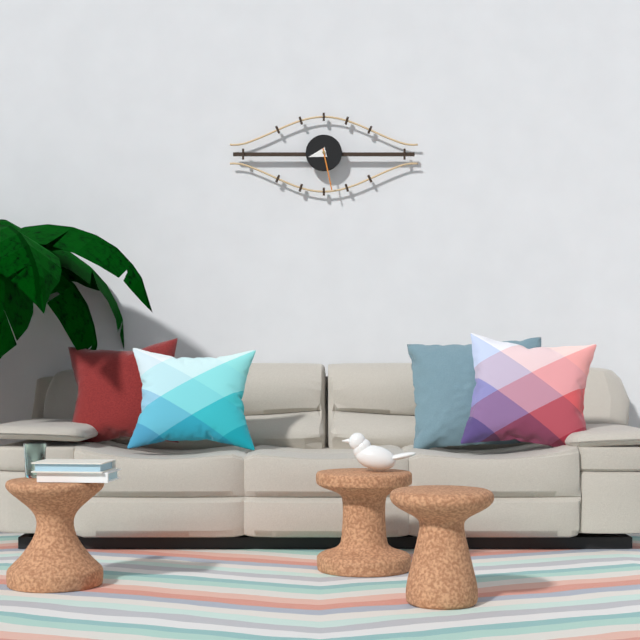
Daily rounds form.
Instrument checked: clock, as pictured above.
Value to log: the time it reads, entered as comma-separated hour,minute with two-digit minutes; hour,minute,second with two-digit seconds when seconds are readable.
8,28
